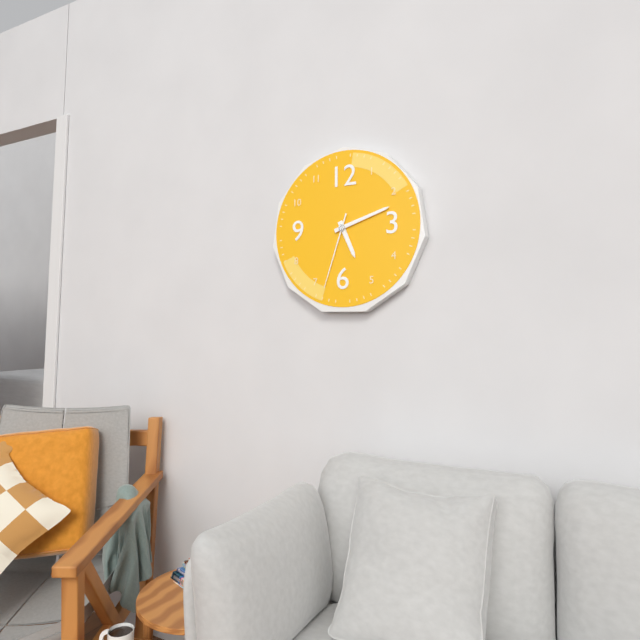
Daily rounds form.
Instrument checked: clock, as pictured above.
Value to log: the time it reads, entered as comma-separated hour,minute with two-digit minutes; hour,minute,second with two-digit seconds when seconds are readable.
5,12,33
